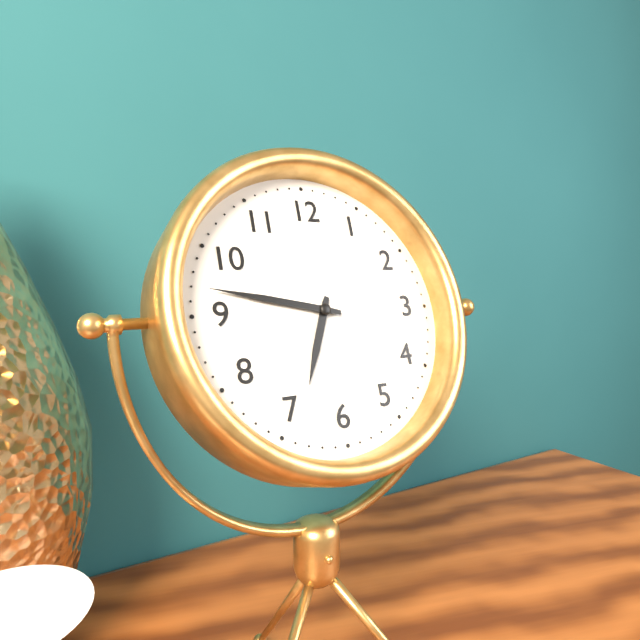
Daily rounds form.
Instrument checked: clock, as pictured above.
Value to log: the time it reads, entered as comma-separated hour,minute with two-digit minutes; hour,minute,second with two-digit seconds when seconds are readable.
6,47
